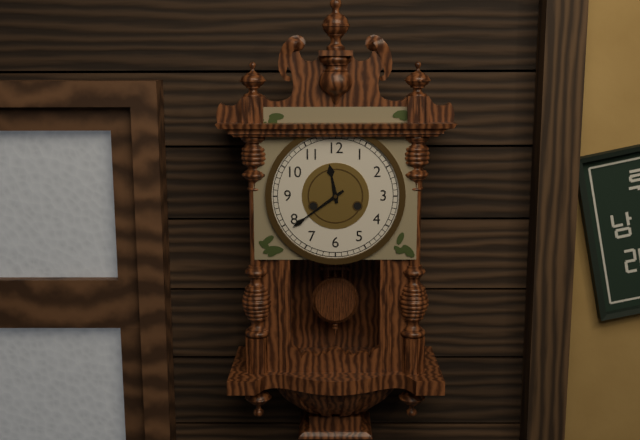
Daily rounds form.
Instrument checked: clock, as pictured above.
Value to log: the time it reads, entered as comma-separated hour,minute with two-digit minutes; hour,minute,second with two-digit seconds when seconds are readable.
11,39
